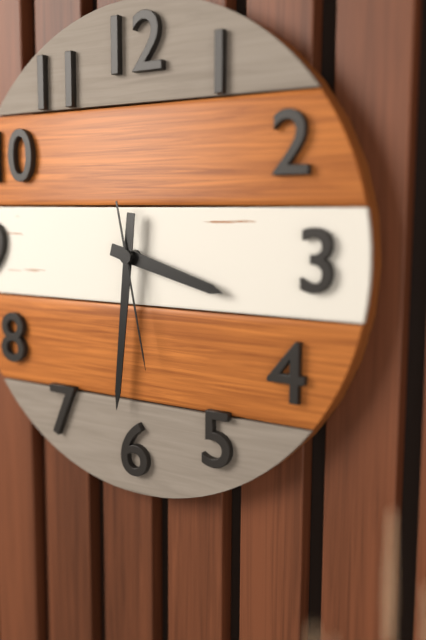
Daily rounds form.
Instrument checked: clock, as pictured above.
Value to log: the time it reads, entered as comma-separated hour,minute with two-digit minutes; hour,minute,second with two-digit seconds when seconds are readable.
3,31,28
